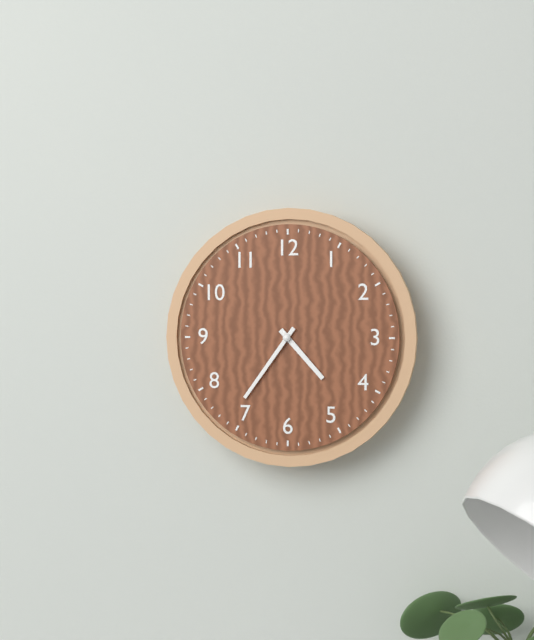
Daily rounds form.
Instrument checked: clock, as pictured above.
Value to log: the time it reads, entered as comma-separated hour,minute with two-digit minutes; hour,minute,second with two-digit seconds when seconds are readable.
4,36
